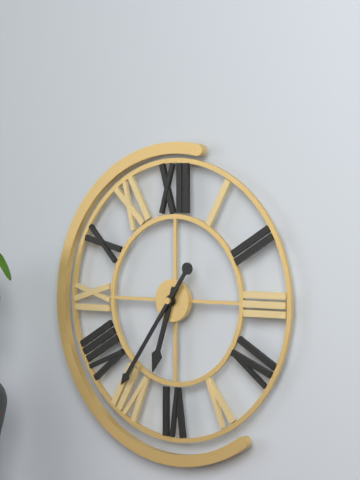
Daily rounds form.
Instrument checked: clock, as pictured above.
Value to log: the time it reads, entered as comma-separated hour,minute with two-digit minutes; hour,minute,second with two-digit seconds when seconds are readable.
6,36
